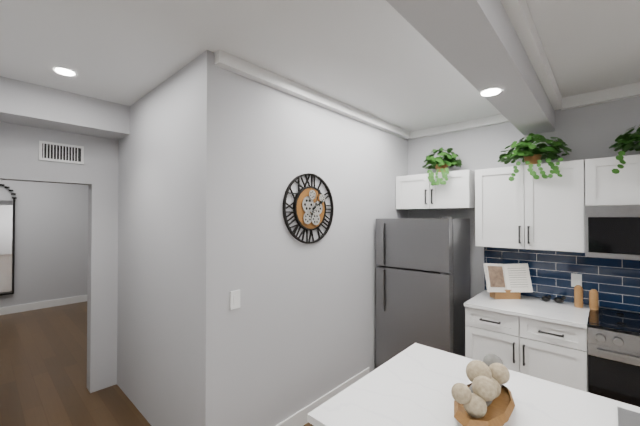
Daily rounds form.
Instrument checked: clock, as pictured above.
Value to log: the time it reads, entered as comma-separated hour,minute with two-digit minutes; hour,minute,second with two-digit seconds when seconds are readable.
2,04
